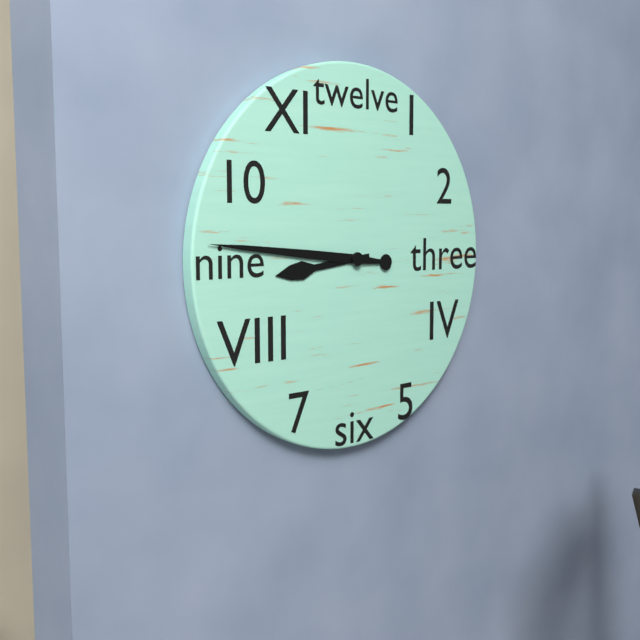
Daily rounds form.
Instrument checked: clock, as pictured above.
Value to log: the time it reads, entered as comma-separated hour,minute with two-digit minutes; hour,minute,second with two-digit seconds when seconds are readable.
8,46
